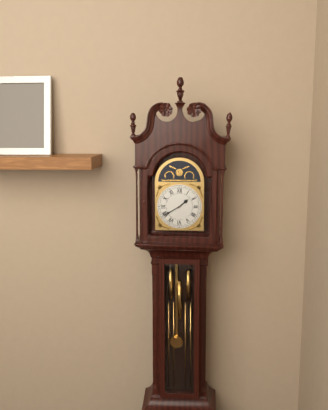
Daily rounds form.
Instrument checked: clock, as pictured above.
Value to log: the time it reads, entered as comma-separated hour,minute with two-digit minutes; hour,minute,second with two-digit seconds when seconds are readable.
1,40
